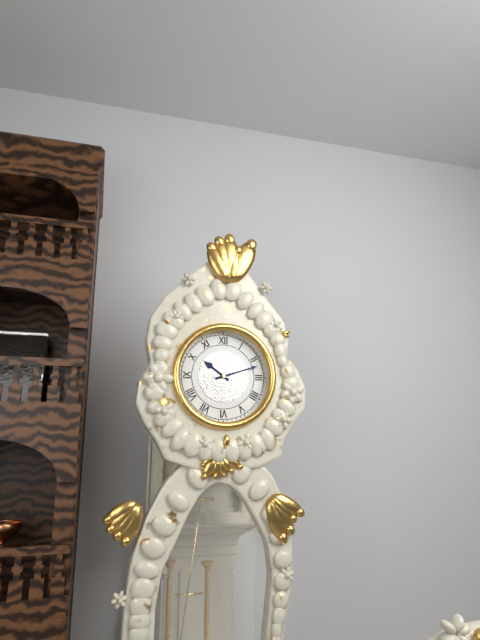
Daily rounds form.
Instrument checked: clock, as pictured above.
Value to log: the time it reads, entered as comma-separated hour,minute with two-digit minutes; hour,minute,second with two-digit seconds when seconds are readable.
10,12
